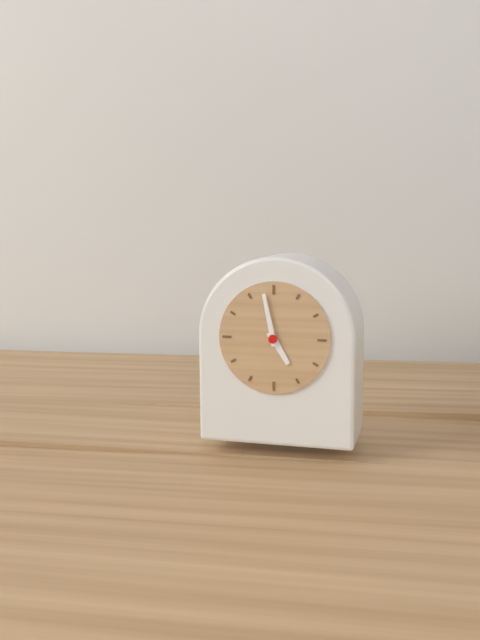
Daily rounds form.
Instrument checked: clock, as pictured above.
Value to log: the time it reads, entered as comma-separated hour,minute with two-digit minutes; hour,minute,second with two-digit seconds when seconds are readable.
4,58
